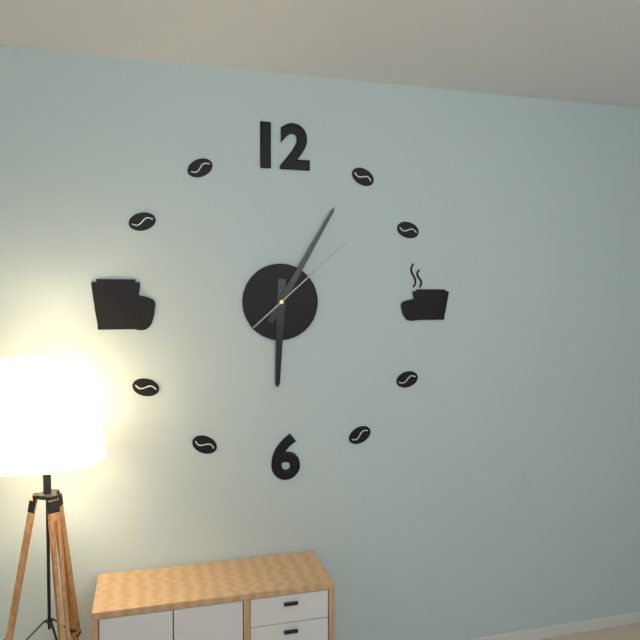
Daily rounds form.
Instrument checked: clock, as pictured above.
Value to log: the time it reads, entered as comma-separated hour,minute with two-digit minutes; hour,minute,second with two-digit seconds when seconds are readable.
6,05,08
